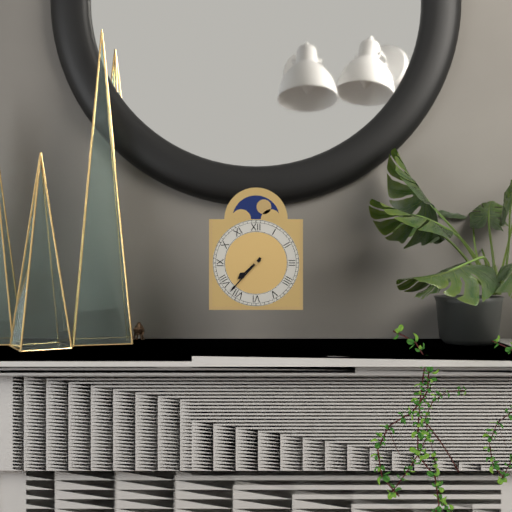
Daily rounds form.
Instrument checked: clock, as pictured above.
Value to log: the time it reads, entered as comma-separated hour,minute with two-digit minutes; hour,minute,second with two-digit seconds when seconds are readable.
7,37
